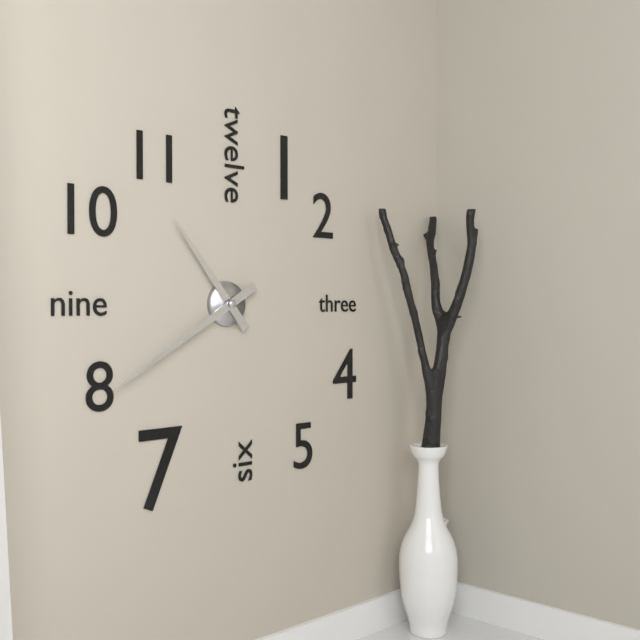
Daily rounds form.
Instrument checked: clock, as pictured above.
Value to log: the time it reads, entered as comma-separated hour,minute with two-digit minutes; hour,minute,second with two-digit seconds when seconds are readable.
10,40
